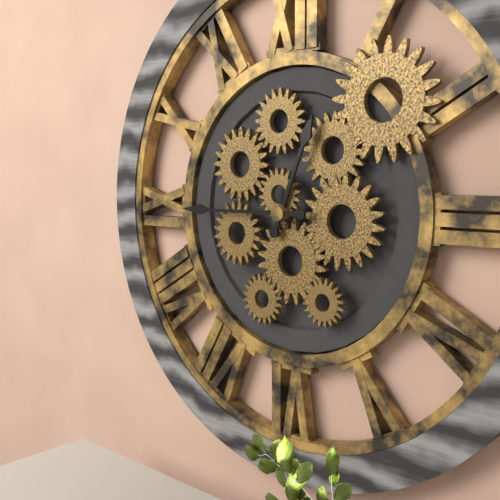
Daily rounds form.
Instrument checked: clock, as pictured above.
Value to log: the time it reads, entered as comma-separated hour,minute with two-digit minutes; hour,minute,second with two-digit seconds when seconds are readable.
12,45
